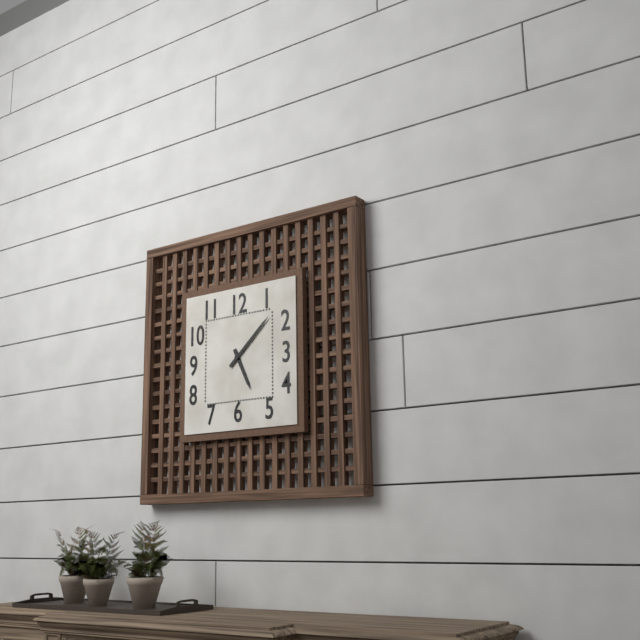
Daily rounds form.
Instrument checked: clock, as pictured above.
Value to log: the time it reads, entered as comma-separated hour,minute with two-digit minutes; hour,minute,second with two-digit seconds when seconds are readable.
5,08
